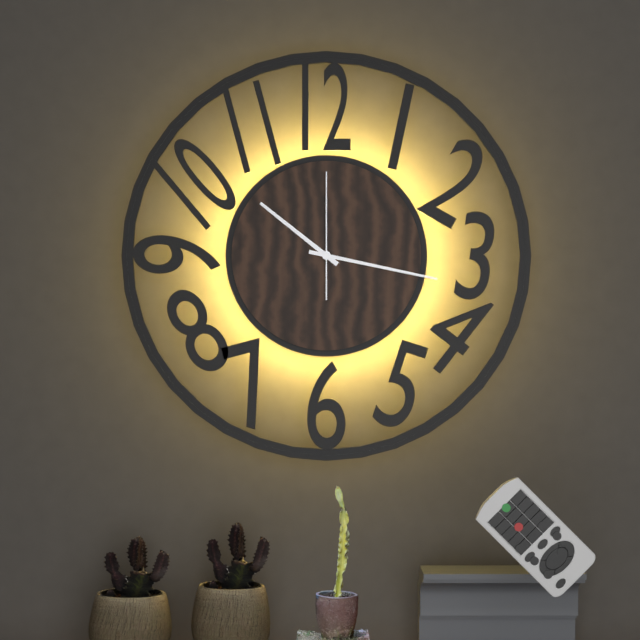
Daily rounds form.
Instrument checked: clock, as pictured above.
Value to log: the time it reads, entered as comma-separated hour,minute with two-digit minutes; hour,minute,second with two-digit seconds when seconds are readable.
10,17,00
